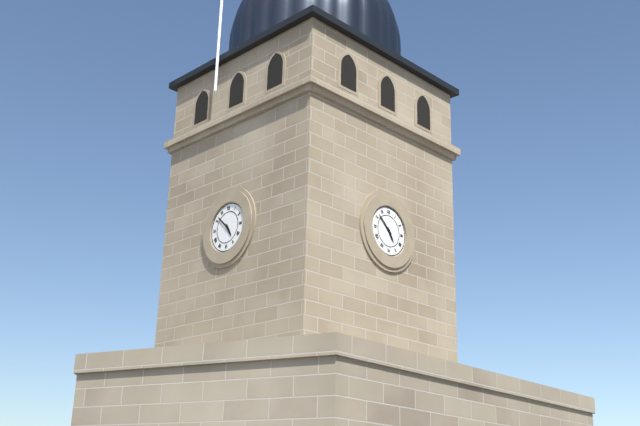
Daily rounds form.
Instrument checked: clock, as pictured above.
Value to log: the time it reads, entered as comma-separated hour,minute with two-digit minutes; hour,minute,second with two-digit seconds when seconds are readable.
4,52
